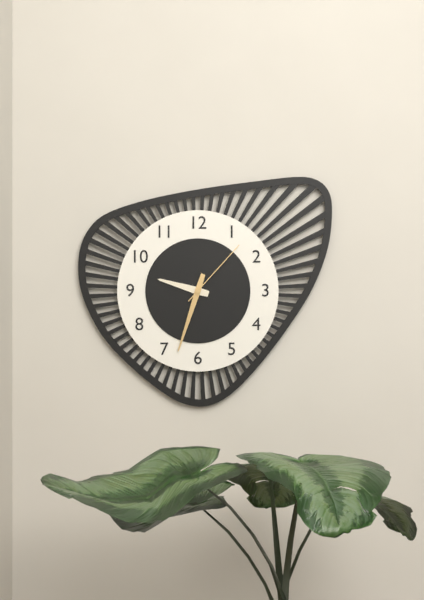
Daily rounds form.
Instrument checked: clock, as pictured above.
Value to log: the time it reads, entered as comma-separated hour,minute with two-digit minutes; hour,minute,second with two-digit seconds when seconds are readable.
9,33,07
